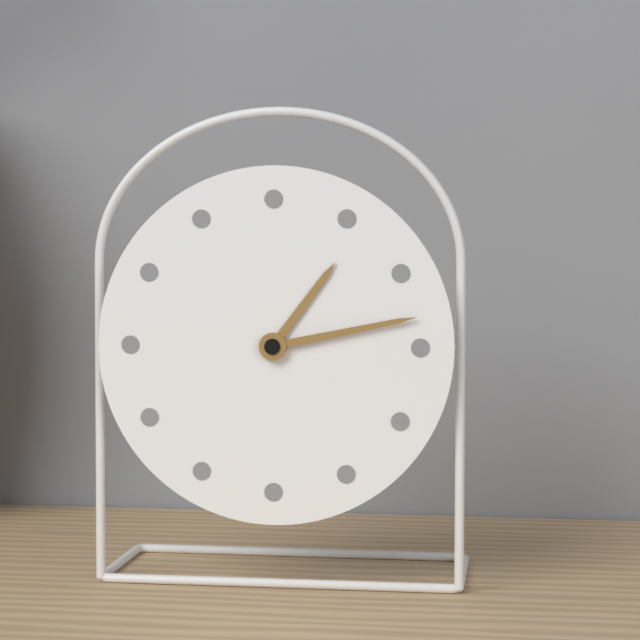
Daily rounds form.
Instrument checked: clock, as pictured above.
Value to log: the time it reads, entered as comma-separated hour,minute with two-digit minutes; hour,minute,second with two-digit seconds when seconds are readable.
1,13
